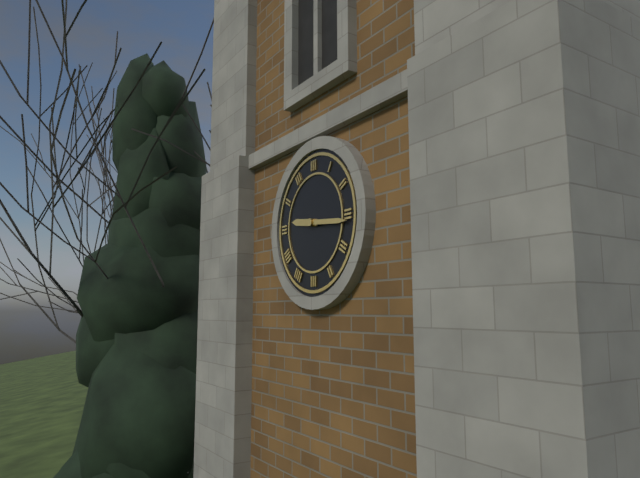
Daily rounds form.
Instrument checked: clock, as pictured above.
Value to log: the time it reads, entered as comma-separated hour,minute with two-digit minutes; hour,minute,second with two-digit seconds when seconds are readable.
9,16
